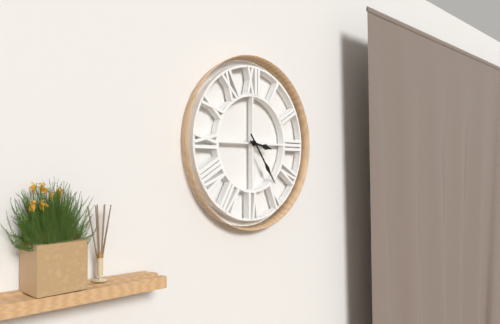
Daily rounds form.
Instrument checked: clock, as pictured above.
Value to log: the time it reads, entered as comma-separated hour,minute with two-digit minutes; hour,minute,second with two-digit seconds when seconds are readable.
3,24
